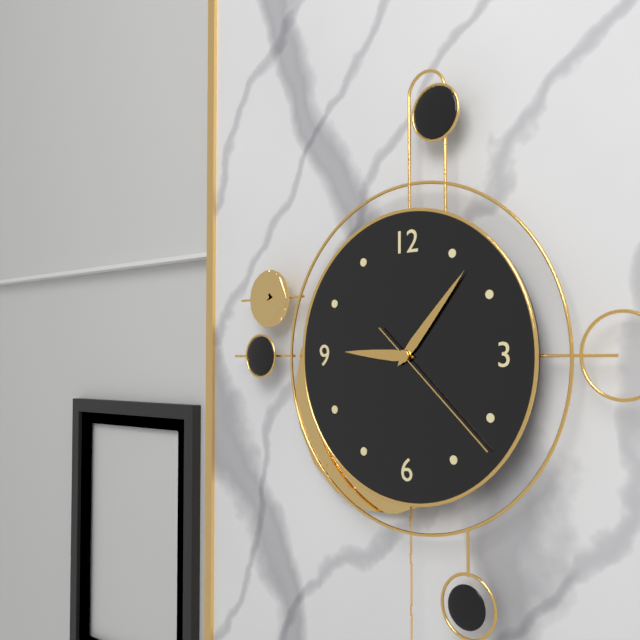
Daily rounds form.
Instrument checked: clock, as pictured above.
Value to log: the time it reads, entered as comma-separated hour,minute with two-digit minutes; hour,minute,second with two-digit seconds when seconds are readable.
9,07,22
